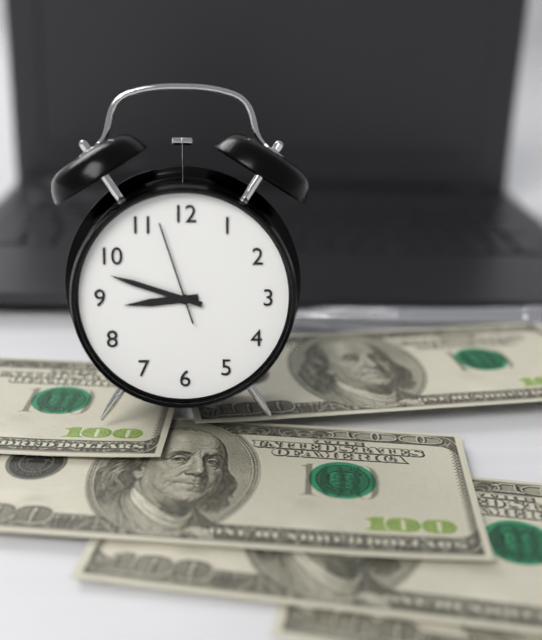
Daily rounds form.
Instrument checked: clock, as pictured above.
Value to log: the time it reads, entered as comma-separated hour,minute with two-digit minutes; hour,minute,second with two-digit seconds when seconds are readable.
8,48,57
